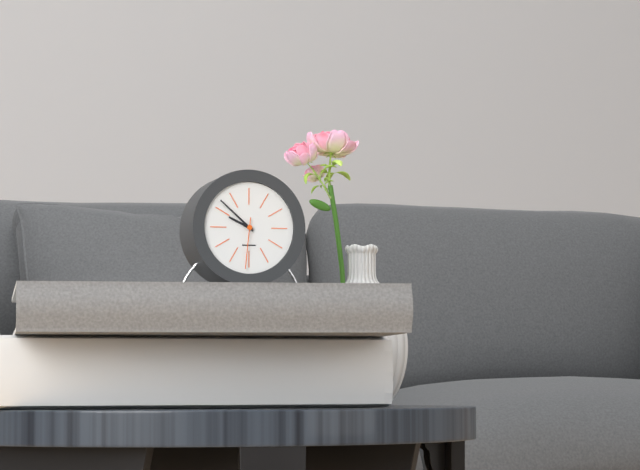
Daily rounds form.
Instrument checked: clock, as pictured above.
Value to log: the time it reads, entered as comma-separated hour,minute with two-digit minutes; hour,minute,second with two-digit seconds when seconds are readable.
9,52,31
